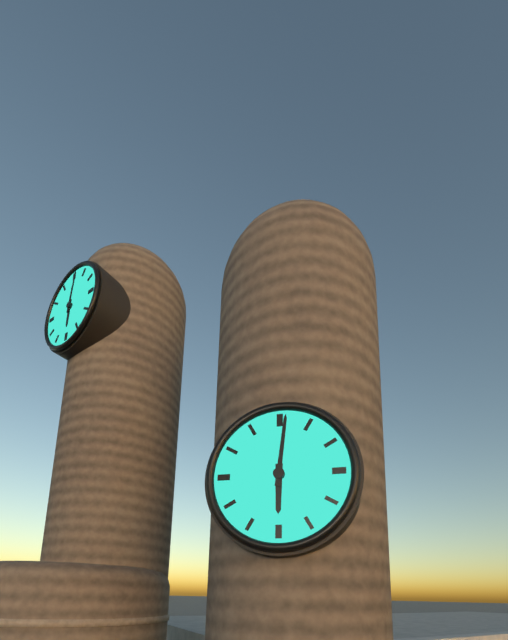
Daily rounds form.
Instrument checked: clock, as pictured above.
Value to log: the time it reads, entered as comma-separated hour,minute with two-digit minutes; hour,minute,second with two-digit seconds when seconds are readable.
6,01
